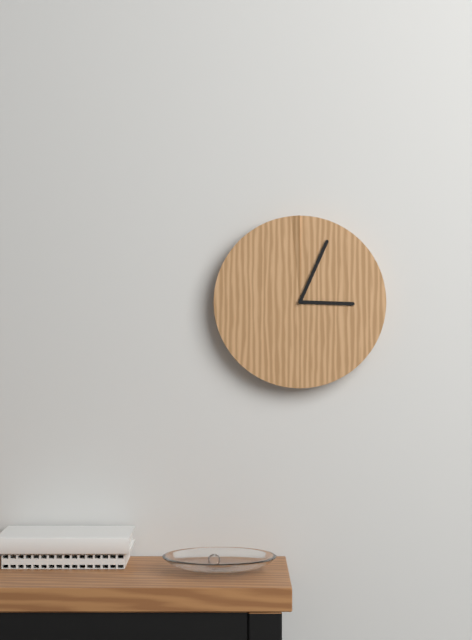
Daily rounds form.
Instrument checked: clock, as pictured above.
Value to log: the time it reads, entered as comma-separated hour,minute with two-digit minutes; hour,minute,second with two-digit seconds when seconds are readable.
3,04
